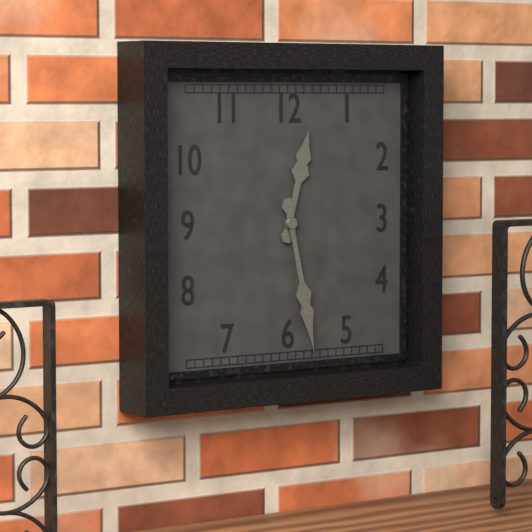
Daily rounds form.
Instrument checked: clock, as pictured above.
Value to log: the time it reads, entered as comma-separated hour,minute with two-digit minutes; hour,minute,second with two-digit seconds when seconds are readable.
12,28
